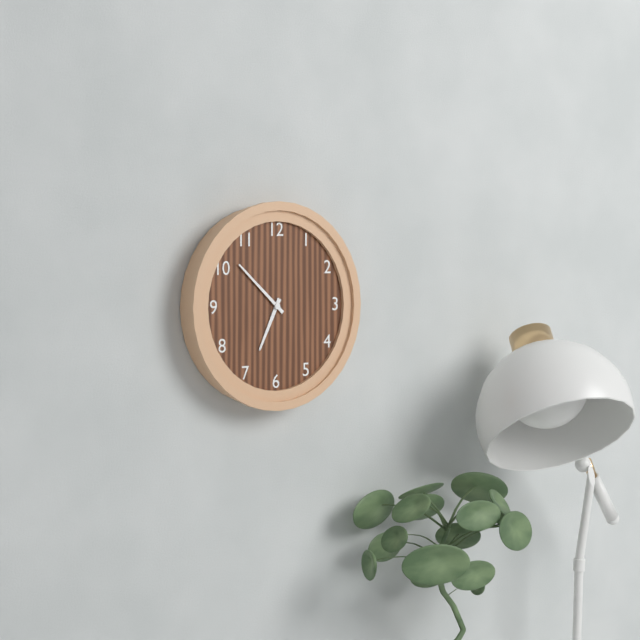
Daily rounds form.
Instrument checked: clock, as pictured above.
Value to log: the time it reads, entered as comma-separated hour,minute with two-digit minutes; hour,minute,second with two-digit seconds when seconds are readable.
6,52
